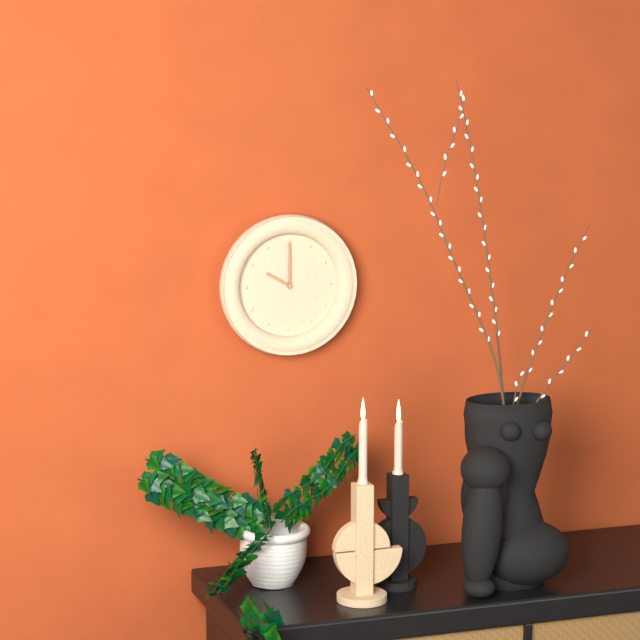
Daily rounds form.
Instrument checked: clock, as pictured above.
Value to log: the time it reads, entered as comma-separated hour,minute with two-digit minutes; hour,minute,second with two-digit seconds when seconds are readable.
10,00
